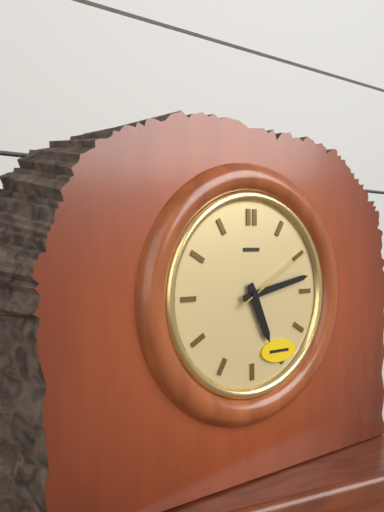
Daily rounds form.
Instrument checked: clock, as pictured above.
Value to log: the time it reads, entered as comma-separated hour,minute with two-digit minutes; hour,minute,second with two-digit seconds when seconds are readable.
5,13,10
